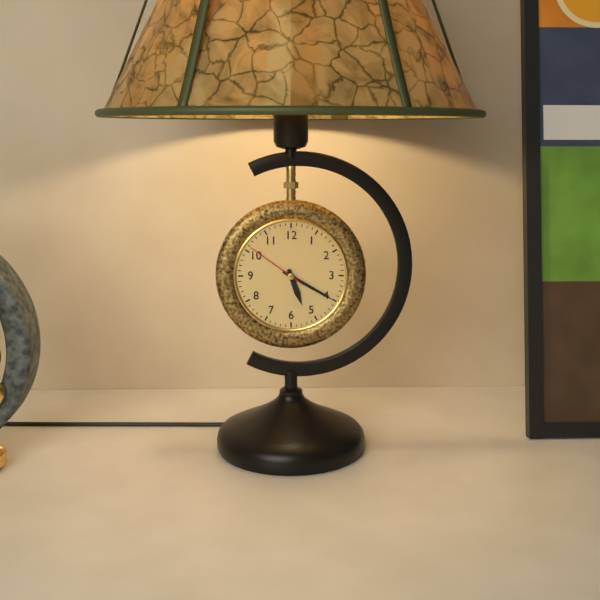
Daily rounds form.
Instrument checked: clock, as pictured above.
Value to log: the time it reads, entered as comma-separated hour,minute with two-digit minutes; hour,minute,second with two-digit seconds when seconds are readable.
5,20,51
